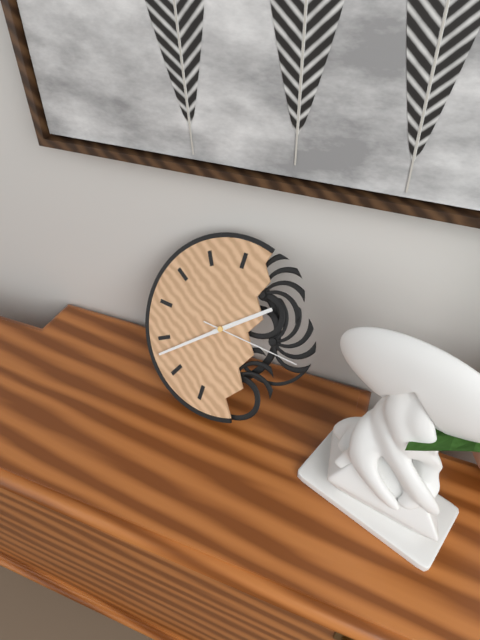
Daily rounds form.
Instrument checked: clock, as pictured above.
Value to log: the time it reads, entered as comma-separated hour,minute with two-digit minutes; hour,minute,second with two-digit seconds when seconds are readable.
1,38,15
